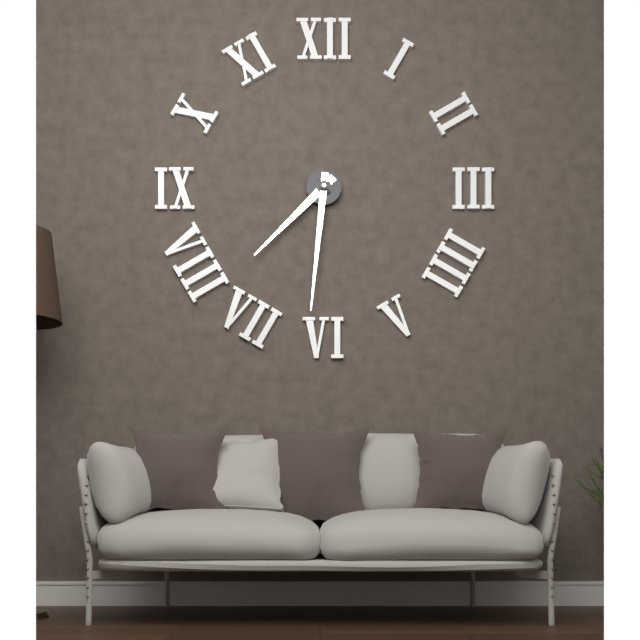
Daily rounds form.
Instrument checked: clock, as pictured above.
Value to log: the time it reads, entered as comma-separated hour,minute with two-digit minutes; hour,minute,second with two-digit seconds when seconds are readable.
7,31
